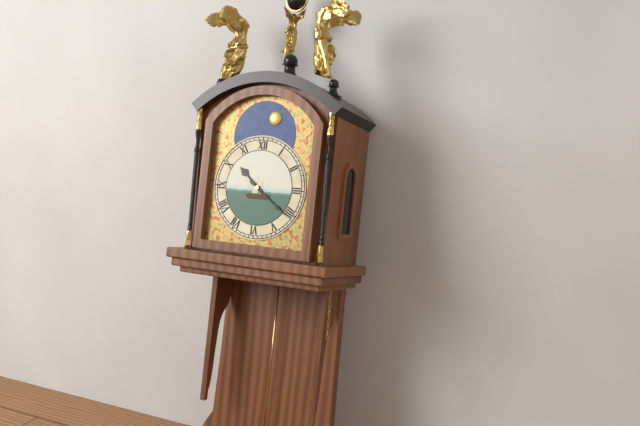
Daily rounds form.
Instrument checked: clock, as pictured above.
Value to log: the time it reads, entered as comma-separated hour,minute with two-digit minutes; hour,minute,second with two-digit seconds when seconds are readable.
10,21
